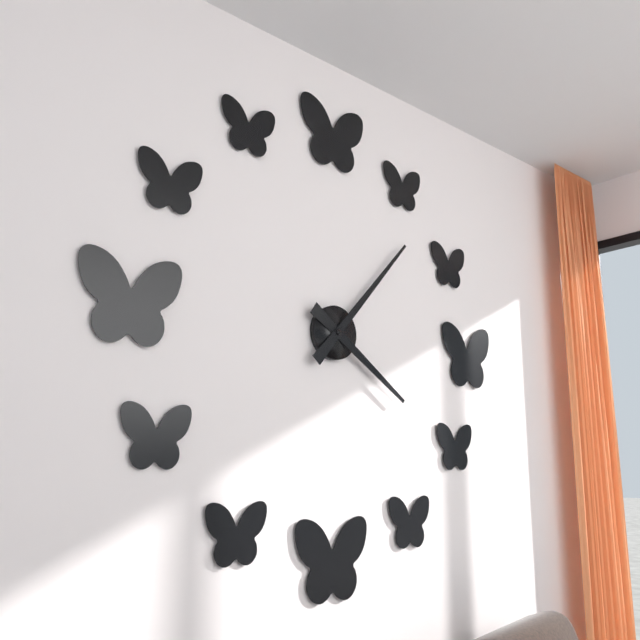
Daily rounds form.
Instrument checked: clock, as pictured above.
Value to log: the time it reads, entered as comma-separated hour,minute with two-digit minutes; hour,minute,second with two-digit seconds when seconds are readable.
4,07
